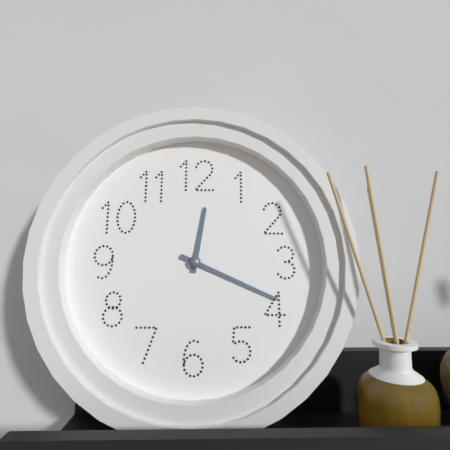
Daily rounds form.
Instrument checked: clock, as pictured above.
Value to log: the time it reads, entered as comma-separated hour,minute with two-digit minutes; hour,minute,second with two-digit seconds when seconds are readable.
12,19
